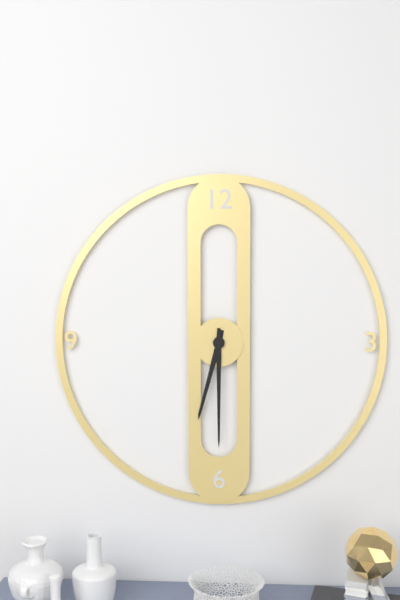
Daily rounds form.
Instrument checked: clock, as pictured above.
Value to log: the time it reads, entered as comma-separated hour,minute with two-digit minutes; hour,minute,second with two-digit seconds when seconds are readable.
6,30
